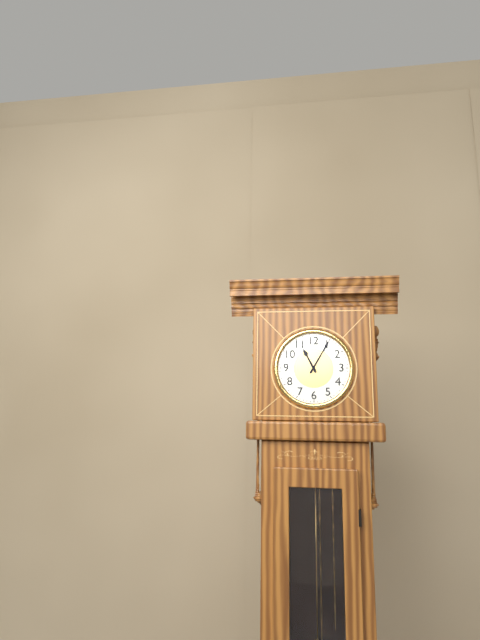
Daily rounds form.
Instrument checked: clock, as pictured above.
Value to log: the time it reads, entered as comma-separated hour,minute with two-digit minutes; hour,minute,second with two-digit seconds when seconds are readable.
11,05
